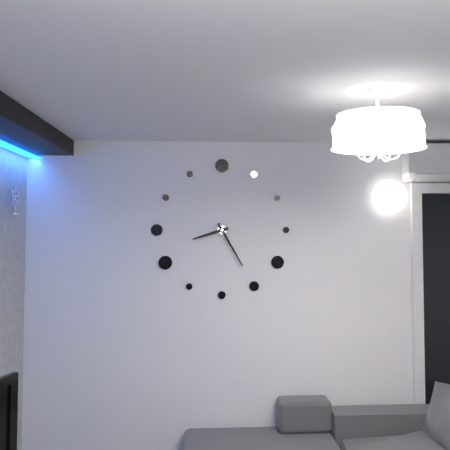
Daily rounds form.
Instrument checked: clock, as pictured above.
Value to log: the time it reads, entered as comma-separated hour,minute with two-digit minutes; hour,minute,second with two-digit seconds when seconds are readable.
8,25
